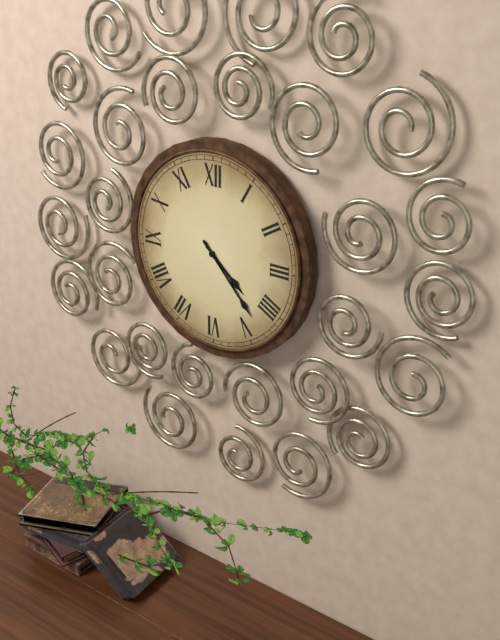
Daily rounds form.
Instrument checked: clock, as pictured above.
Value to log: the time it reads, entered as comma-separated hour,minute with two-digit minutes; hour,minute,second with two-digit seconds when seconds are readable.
4,23
